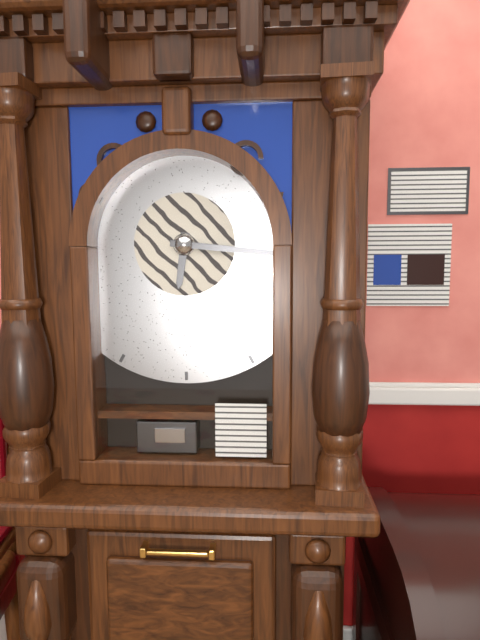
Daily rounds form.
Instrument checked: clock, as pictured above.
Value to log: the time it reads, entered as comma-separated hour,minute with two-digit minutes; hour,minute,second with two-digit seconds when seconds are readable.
6,16
